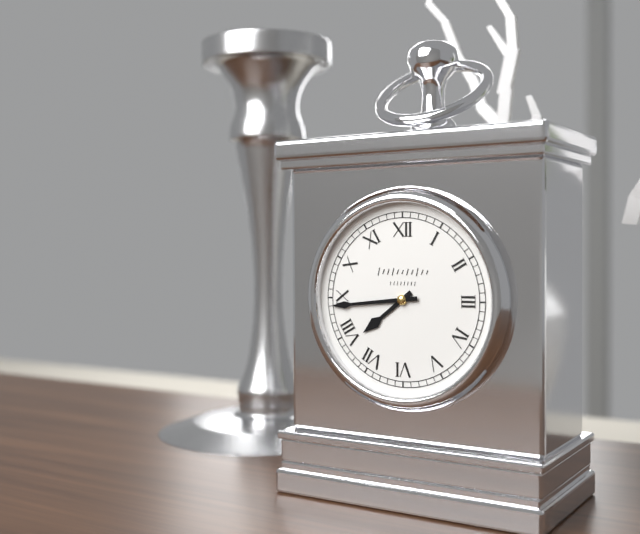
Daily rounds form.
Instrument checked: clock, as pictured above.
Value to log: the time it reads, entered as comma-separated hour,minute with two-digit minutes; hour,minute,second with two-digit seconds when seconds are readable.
7,44
